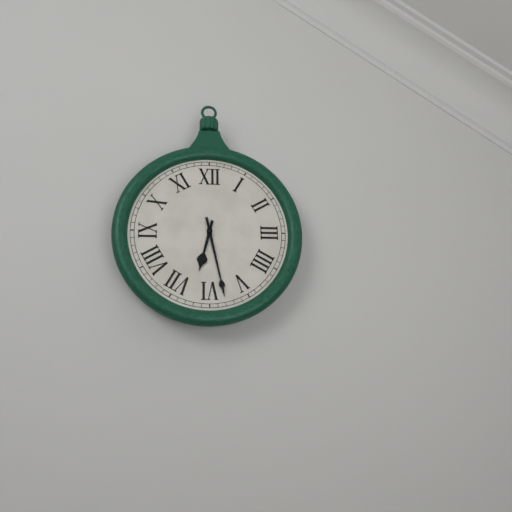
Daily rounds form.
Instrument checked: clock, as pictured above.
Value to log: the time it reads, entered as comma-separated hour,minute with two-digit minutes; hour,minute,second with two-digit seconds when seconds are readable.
6,28
